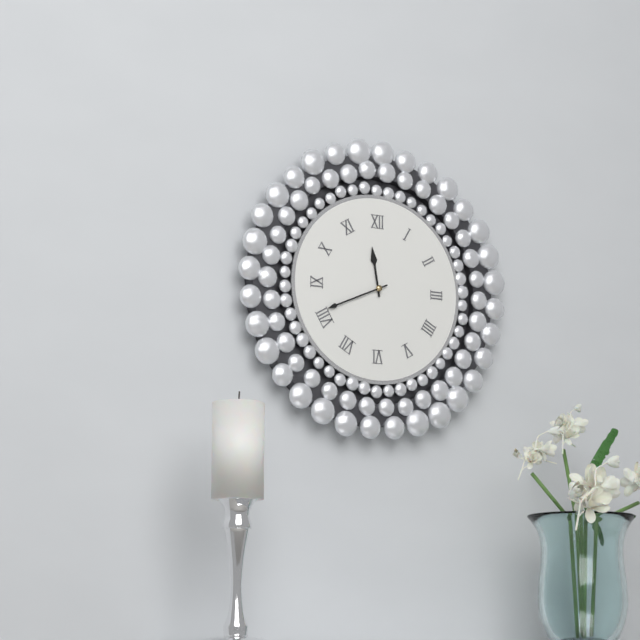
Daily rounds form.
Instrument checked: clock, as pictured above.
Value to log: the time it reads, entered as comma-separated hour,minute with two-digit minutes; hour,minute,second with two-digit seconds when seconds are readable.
11,41
